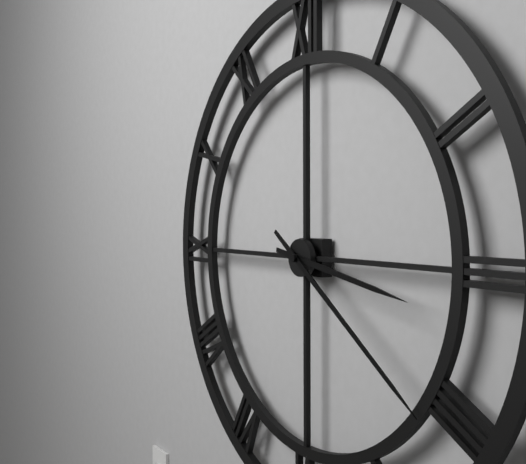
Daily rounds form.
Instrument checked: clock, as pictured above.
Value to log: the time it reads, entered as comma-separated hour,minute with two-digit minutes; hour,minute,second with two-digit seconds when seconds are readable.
3,21
